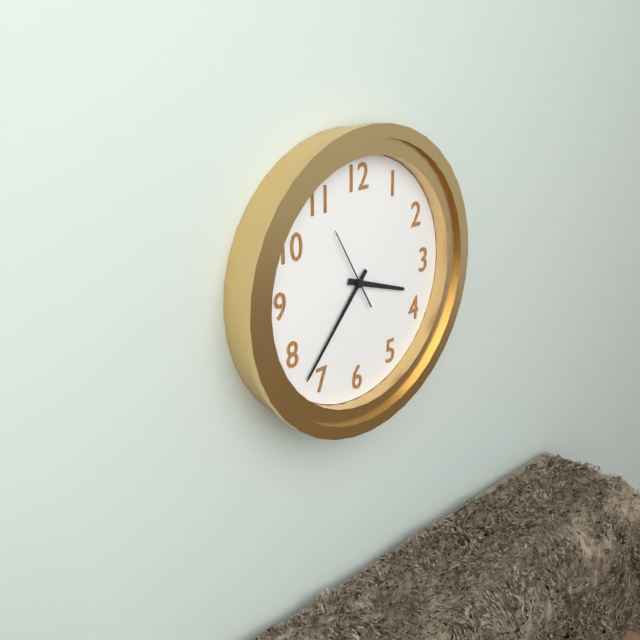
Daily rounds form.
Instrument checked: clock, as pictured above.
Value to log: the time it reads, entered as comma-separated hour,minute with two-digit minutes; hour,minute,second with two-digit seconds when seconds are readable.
3,37,55
